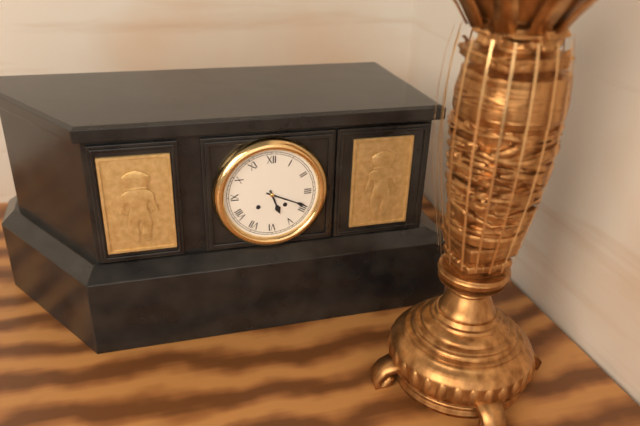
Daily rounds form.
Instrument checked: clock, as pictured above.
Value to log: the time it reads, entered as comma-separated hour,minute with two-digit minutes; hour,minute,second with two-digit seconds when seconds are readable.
5,19
